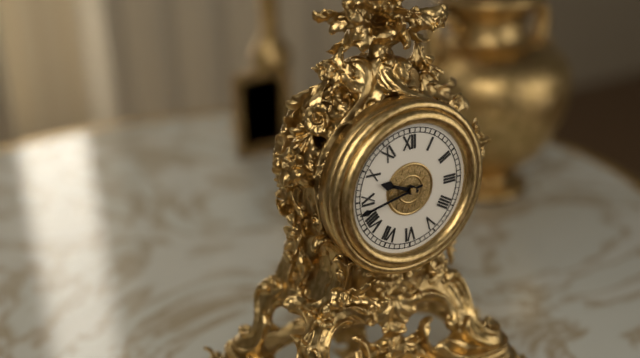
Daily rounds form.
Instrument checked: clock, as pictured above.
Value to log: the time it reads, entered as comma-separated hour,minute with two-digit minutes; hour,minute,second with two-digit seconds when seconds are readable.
9,43
